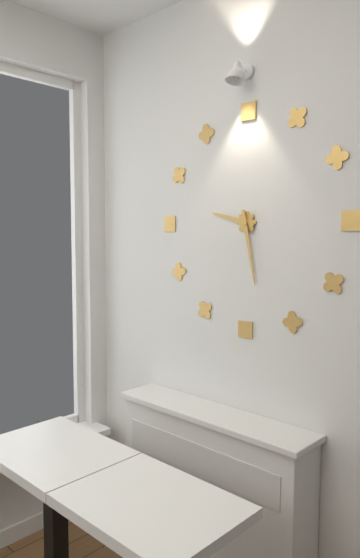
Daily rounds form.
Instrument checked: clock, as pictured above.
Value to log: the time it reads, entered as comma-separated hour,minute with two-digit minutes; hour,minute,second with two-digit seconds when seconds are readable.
9,28
